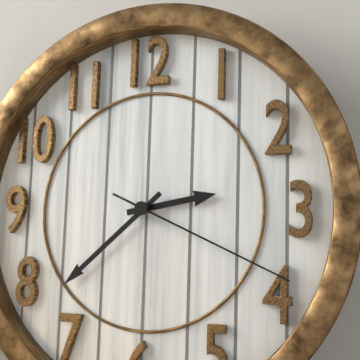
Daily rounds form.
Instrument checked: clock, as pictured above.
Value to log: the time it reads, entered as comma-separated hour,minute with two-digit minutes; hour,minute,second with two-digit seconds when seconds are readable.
2,38,19
